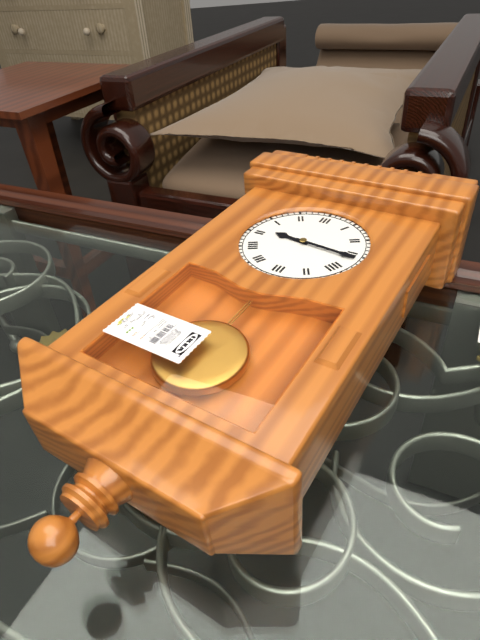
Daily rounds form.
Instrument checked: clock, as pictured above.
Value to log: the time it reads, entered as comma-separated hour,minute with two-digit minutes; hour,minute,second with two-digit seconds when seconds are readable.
9,16
